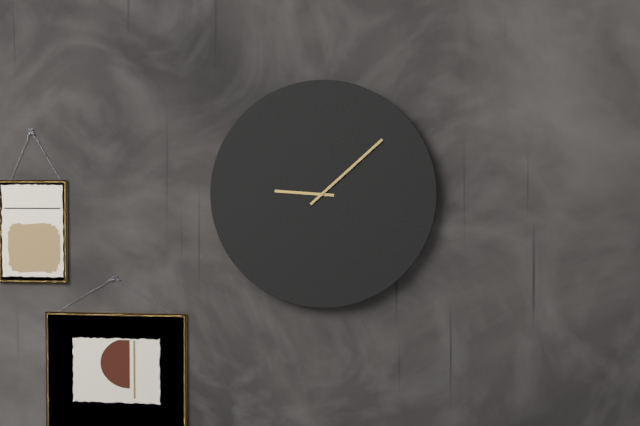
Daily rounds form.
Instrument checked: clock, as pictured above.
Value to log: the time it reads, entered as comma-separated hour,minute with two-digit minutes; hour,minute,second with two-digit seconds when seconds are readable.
9,08
